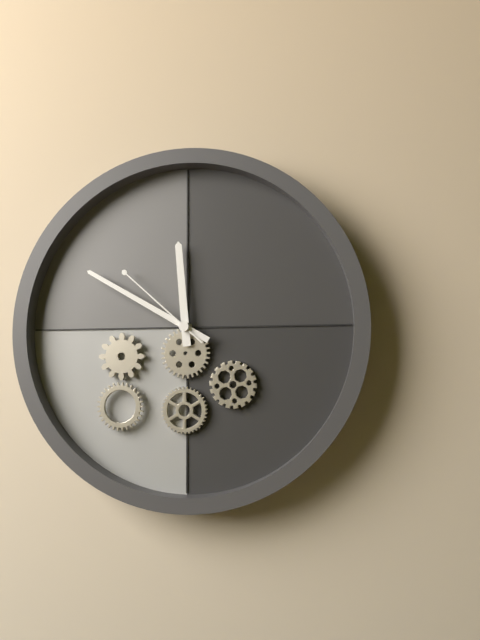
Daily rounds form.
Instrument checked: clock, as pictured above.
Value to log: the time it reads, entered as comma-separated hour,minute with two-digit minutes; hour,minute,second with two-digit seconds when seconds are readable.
11,50,52
